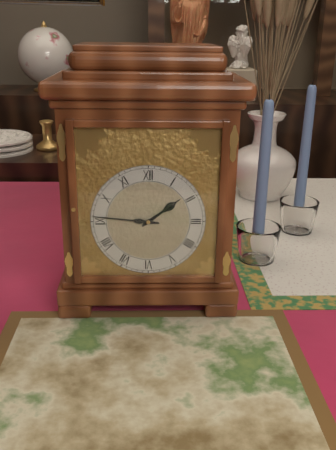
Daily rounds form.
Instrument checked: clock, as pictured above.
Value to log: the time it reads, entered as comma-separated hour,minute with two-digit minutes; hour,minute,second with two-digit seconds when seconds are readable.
1,46
